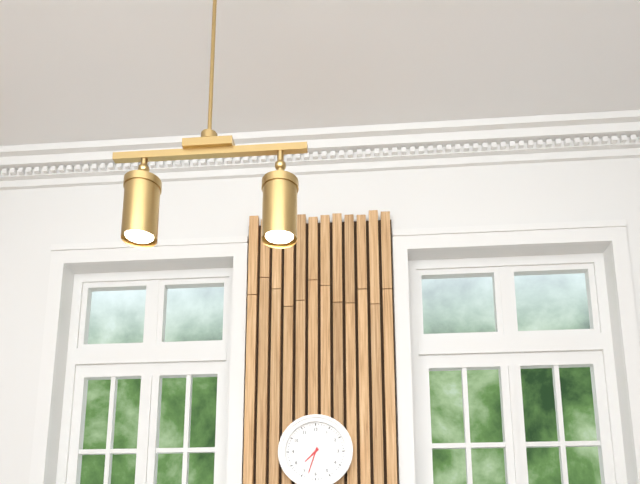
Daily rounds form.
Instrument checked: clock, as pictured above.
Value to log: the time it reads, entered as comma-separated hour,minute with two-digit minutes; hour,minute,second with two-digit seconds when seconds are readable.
7,33
